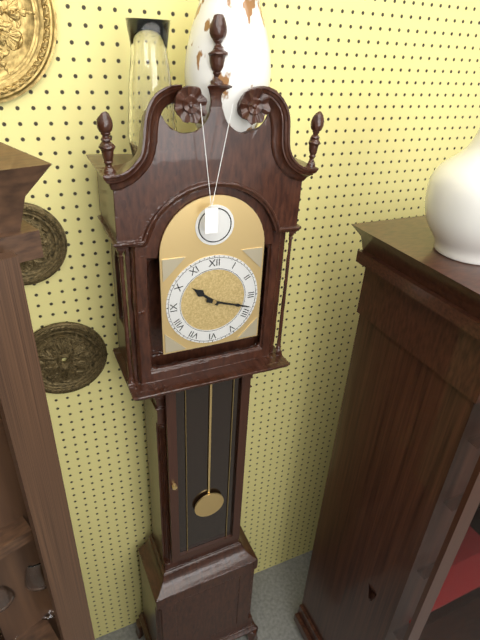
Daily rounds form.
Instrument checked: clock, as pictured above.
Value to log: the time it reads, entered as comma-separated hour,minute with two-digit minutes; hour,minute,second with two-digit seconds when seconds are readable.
10,18
